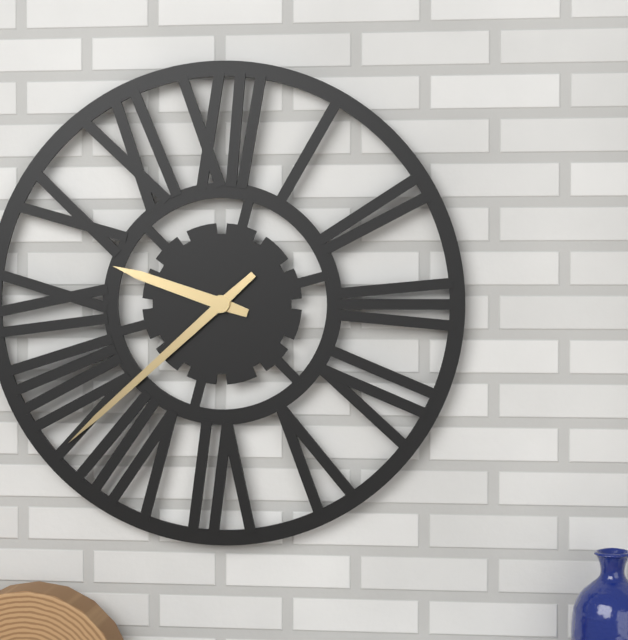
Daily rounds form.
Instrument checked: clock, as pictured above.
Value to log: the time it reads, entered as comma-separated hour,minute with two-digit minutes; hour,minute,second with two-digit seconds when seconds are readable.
9,38
